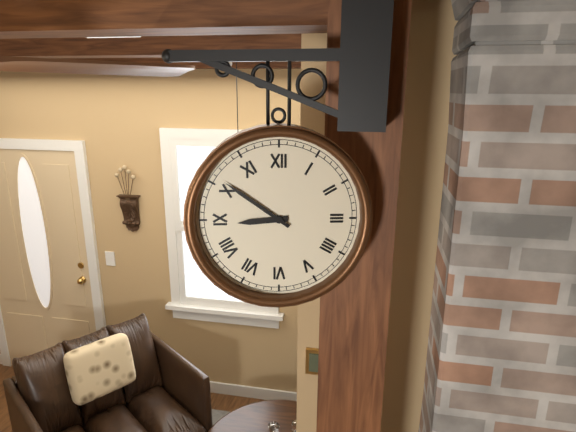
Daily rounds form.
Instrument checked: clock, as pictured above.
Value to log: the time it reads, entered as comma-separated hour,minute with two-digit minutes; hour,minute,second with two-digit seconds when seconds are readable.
8,51
